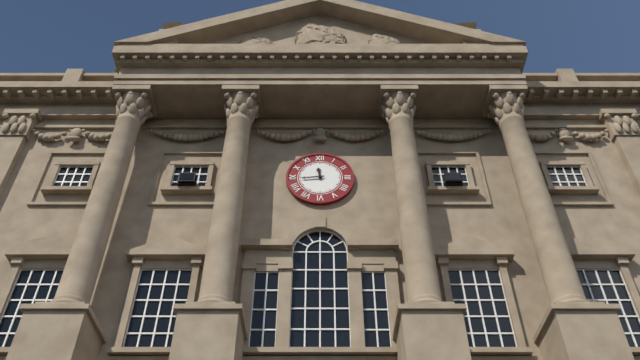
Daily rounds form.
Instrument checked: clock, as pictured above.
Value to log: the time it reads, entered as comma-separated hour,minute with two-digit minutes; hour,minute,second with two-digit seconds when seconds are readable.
11,44
